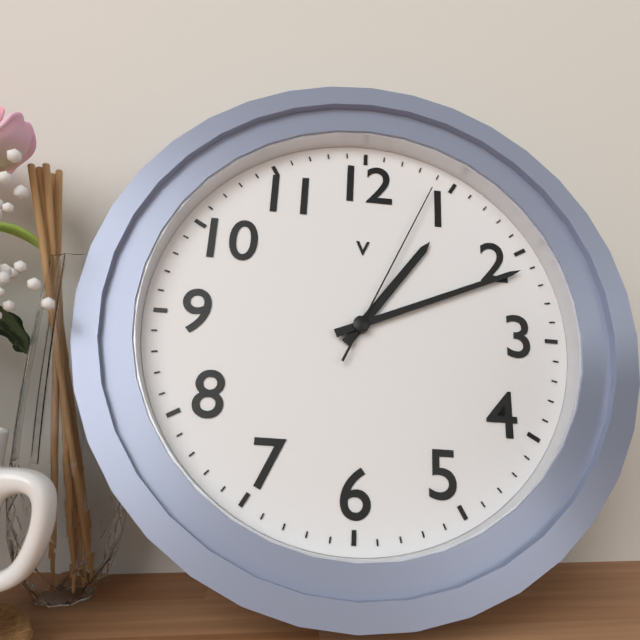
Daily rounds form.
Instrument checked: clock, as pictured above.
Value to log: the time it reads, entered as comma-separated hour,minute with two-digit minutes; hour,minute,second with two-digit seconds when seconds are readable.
1,11,04
